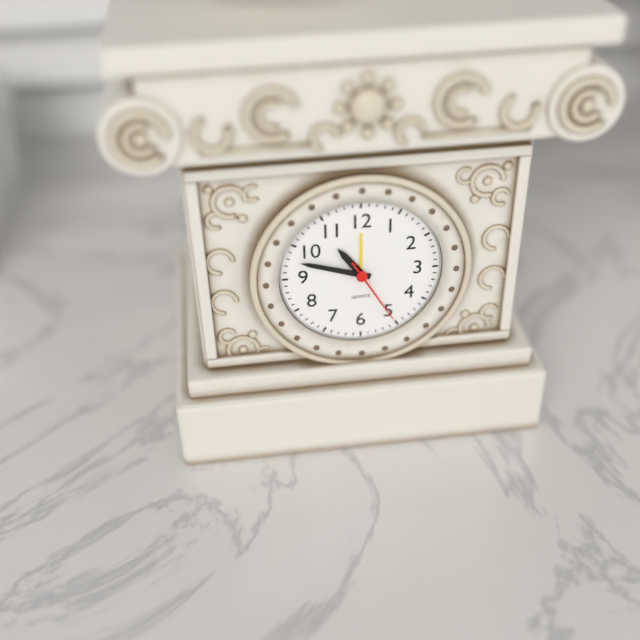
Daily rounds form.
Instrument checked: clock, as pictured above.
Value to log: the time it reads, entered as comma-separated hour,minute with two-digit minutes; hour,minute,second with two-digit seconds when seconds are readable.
10,48,25
